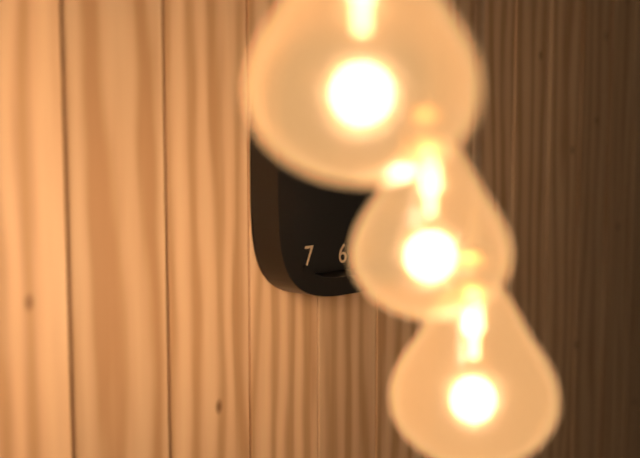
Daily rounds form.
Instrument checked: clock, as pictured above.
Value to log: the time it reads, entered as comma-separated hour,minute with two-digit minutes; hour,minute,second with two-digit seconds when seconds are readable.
3,03
